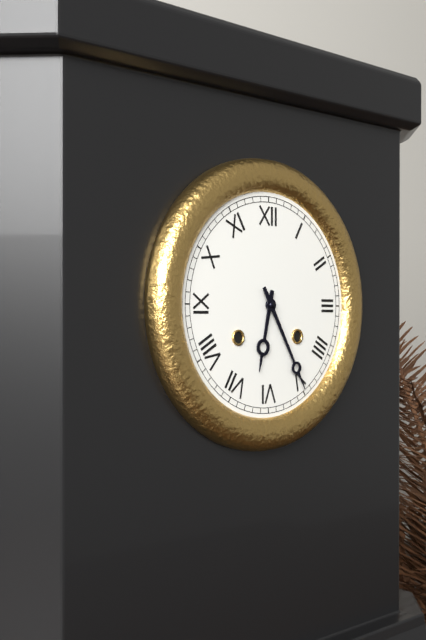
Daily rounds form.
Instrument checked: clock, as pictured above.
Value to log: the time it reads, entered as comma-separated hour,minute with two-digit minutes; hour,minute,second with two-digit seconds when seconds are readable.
6,25
